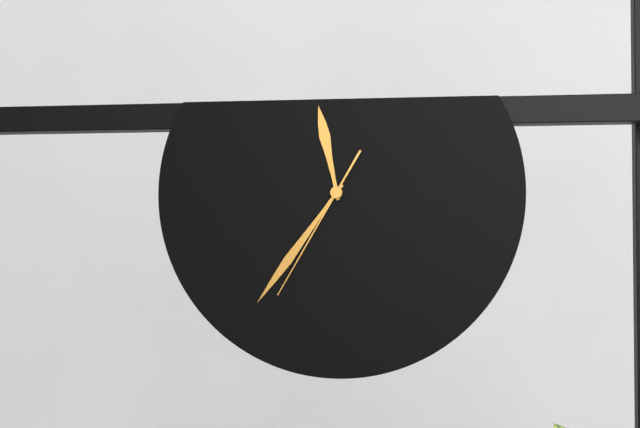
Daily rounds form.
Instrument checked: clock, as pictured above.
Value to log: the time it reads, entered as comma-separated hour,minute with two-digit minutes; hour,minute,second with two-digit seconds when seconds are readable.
11,36,35
